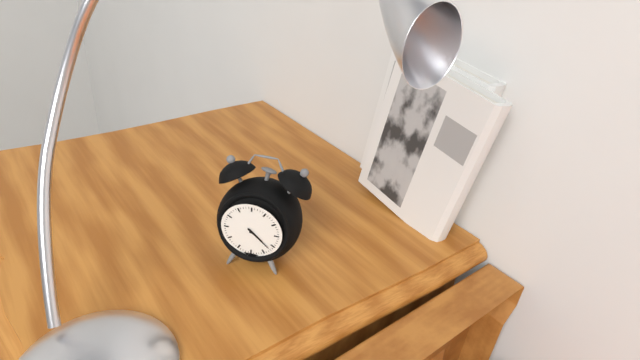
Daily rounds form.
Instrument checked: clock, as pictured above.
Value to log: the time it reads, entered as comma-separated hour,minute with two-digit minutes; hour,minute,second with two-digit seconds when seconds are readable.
4,22
